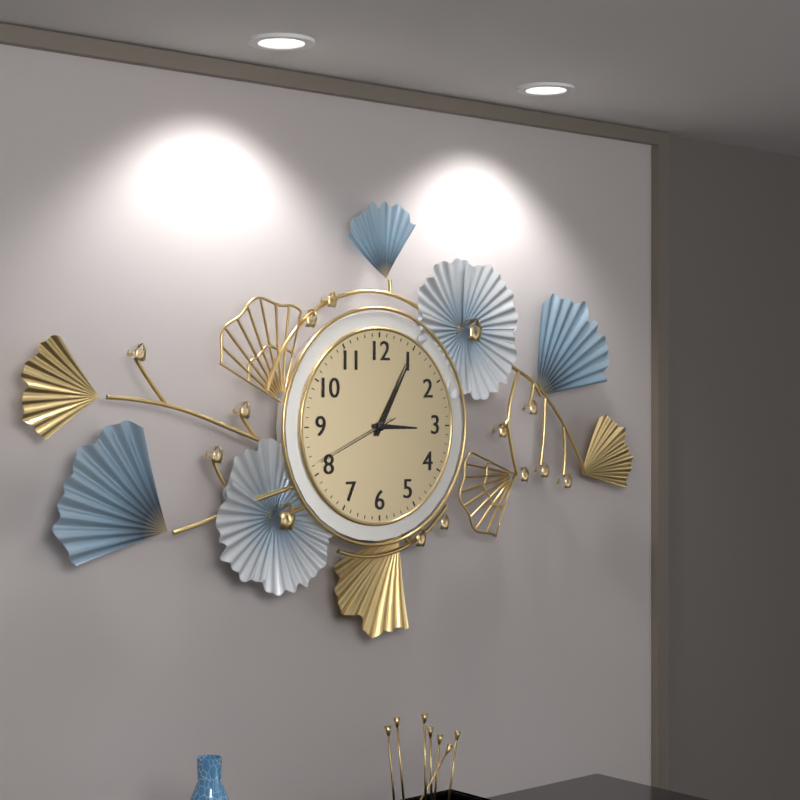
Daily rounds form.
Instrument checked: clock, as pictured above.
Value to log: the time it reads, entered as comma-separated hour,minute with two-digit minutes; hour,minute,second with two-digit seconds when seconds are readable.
3,05,41
